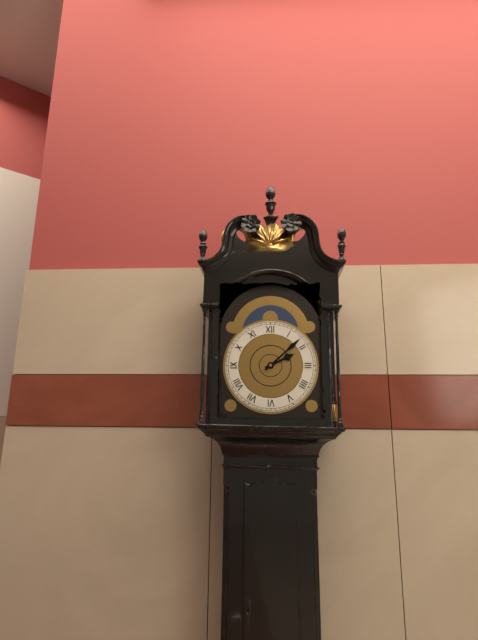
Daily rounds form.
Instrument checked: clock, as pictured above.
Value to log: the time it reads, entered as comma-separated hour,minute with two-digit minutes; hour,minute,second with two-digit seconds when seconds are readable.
2,08
